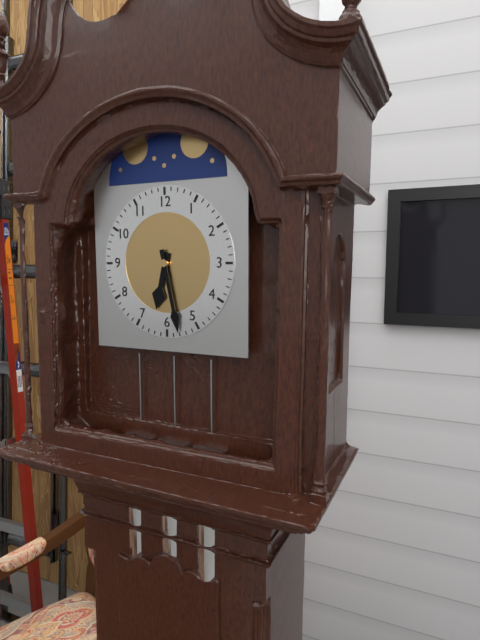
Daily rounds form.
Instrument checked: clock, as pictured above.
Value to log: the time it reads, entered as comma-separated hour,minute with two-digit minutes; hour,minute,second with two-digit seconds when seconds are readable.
6,28
